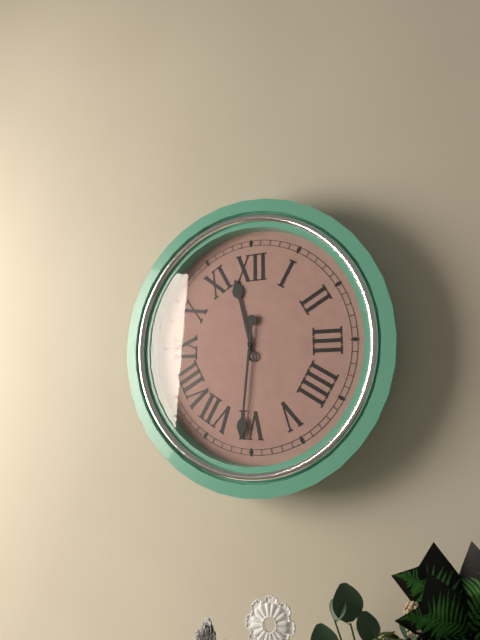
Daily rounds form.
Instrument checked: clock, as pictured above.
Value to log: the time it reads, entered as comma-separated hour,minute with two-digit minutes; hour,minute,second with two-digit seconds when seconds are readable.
11,31
